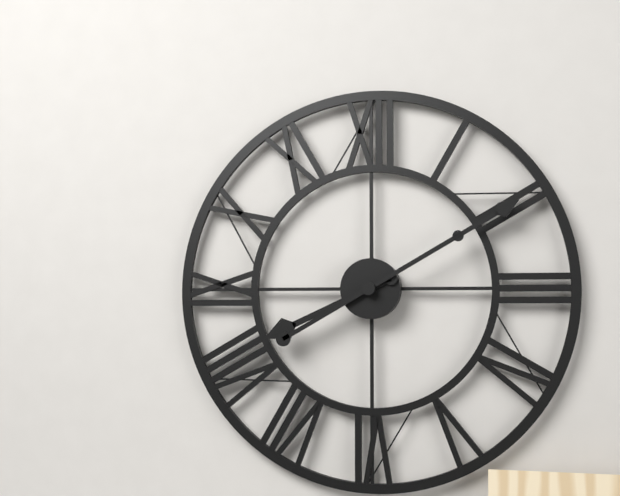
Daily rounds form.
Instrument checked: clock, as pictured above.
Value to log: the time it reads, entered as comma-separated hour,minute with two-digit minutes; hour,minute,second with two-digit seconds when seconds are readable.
8,10
